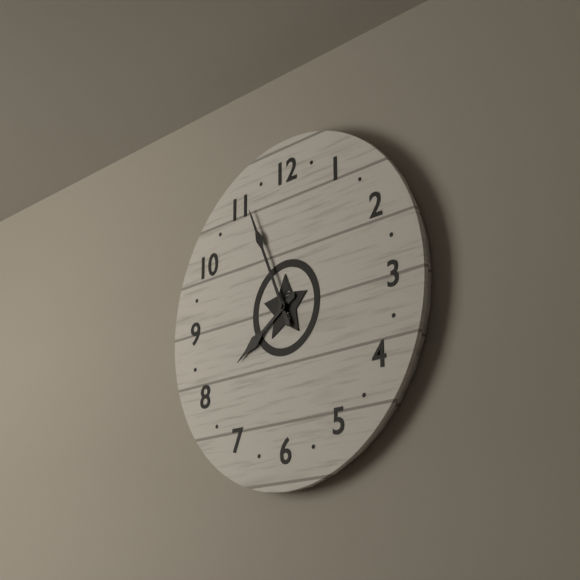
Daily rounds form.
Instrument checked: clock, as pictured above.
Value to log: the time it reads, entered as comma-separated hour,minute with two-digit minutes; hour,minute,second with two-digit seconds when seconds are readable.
7,56
